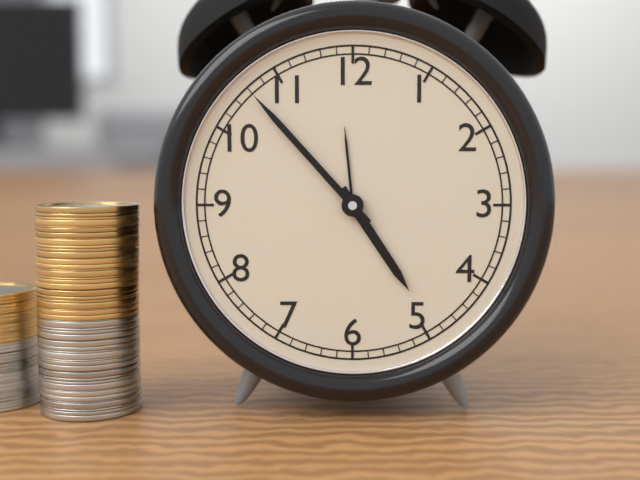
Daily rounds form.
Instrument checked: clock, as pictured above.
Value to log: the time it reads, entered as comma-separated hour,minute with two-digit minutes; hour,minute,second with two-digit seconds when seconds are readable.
4,53
